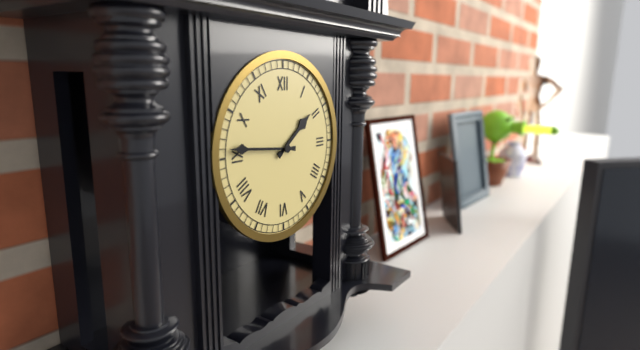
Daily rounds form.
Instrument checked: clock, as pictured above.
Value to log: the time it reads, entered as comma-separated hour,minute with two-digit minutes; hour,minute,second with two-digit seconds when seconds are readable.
1,46
